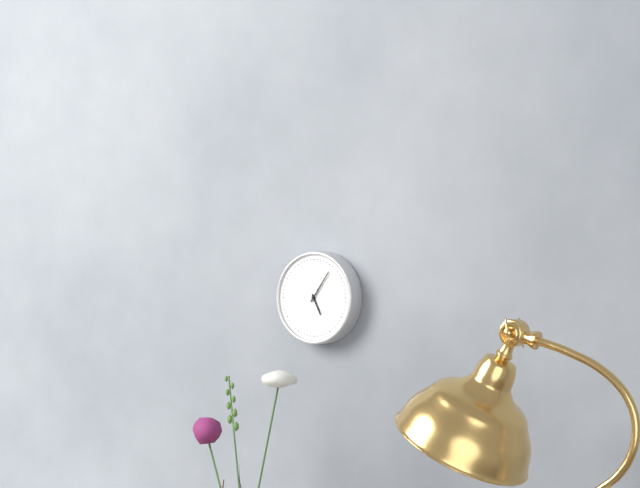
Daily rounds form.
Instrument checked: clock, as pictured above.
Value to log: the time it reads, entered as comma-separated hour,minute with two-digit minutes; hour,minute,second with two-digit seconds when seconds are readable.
5,06
